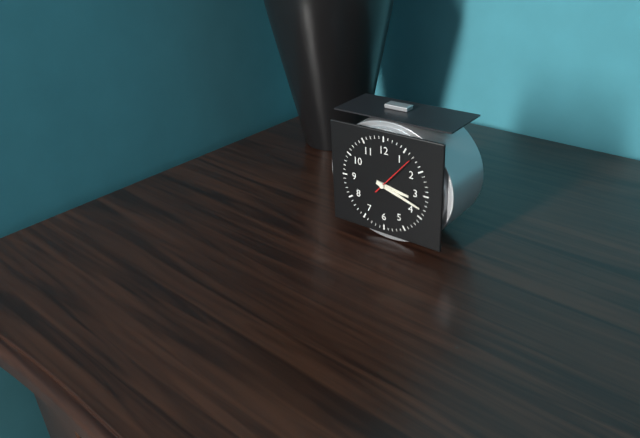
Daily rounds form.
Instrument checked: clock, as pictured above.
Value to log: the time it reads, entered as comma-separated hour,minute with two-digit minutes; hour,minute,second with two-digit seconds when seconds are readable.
3,18
